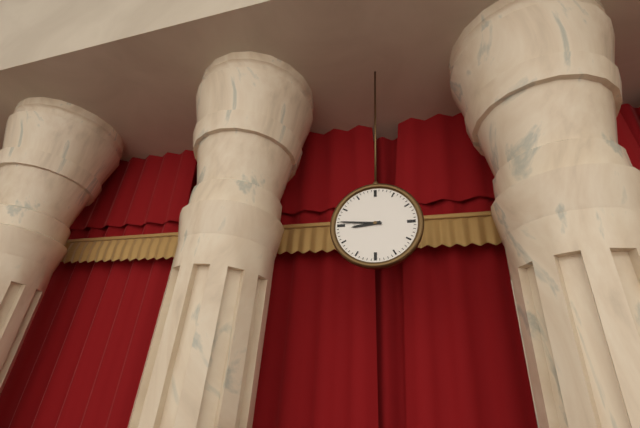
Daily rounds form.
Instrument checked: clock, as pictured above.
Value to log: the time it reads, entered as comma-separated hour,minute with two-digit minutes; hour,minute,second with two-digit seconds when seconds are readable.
8,46
